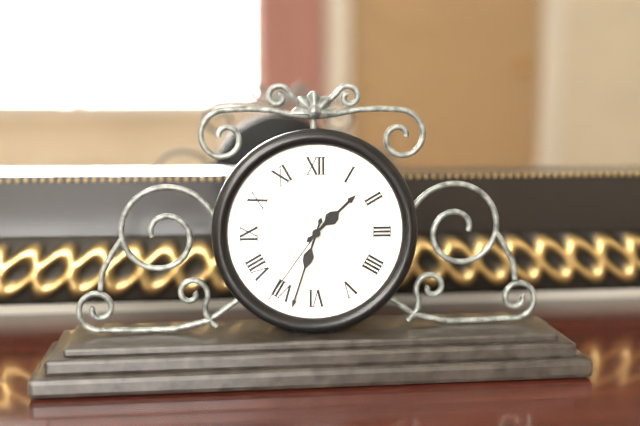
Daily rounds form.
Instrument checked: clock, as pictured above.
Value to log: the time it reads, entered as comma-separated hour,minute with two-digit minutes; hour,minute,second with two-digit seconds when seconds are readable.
1,33,36
